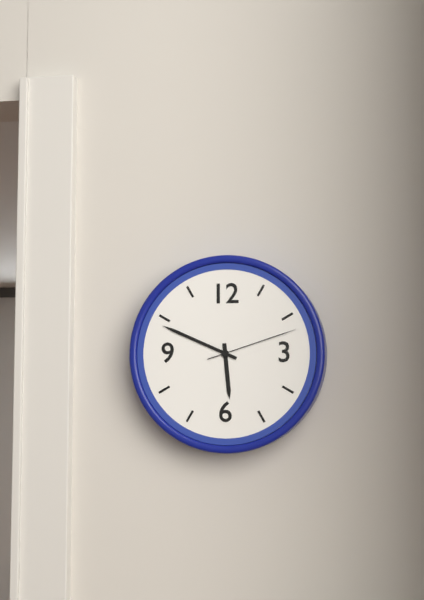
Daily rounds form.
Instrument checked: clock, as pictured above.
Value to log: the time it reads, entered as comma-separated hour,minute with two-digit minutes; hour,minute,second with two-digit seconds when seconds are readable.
5,49,12
